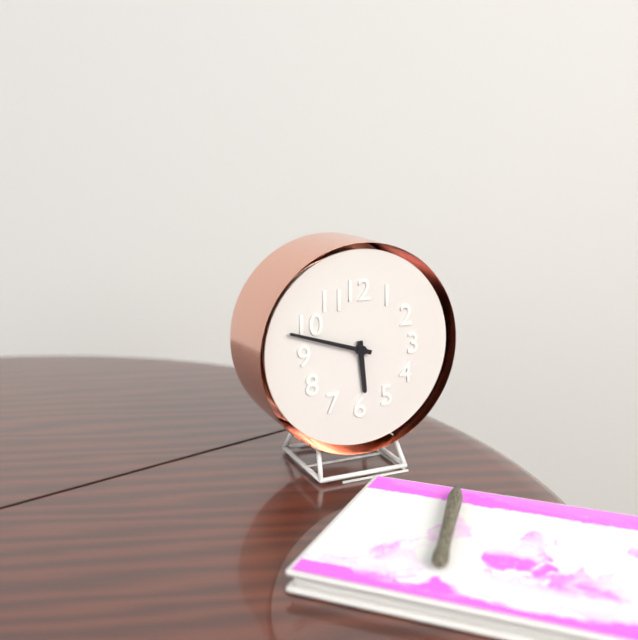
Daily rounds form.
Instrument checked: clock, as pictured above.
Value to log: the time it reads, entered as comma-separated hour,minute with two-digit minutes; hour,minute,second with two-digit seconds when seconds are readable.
5,48
